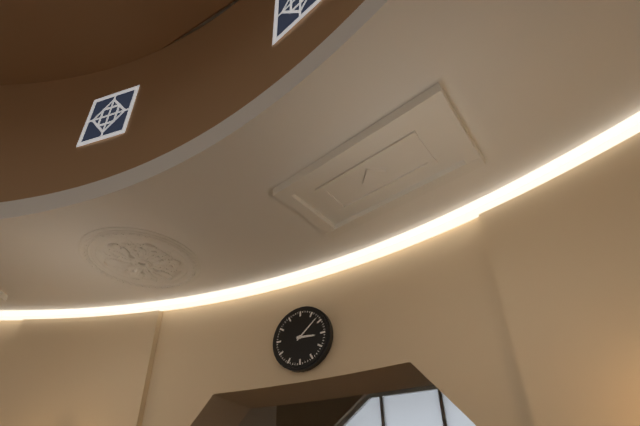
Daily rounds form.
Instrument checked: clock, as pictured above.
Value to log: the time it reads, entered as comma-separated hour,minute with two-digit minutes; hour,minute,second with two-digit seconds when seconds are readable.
3,08
